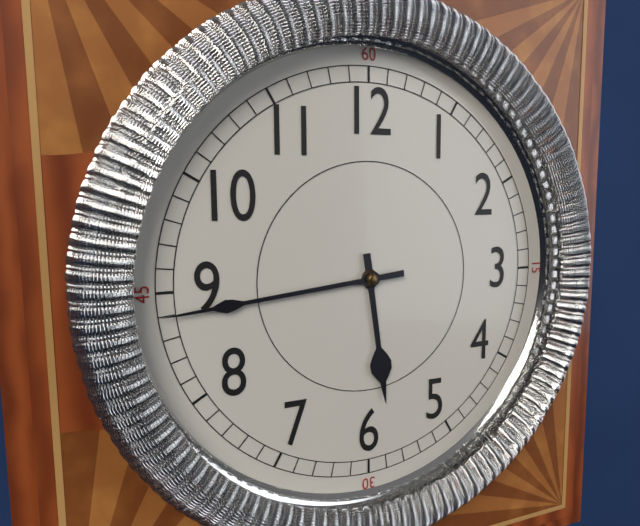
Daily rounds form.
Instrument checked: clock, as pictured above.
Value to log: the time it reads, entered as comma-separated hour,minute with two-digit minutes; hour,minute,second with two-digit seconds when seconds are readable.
5,44
